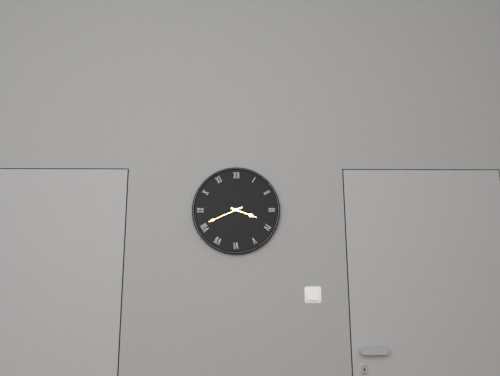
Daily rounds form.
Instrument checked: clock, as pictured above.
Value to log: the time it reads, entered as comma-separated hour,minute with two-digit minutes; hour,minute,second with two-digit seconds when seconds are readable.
3,41
